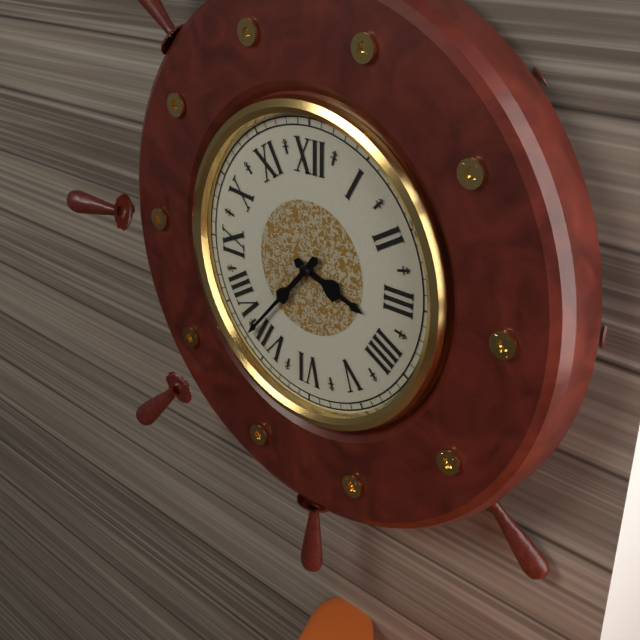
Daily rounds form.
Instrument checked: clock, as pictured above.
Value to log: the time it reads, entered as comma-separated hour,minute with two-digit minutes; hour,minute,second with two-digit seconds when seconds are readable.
3,37
